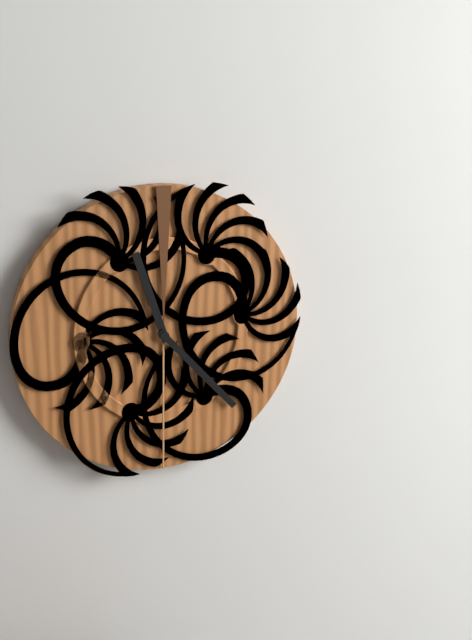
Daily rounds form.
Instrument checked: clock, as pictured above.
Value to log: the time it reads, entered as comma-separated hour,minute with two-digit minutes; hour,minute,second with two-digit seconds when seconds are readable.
11,23
